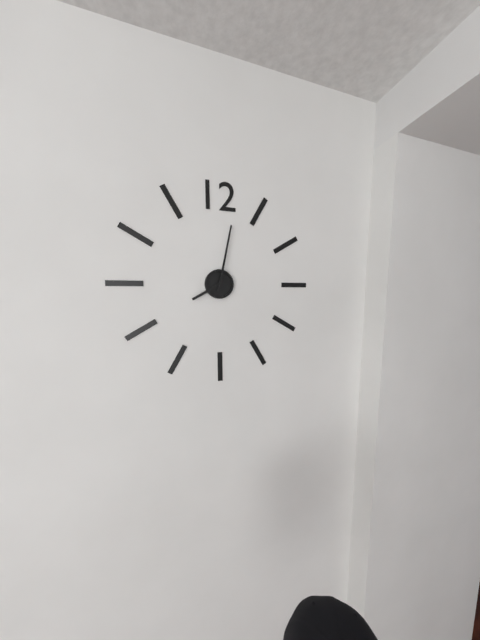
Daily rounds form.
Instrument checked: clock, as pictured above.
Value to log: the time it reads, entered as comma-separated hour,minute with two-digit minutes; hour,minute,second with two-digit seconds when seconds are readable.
8,02
